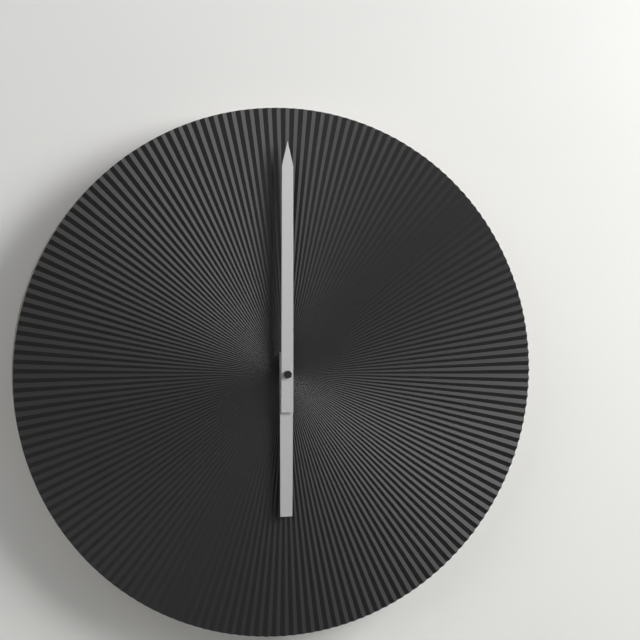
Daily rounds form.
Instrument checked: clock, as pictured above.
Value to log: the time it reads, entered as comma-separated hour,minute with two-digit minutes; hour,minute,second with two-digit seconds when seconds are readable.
6,00
